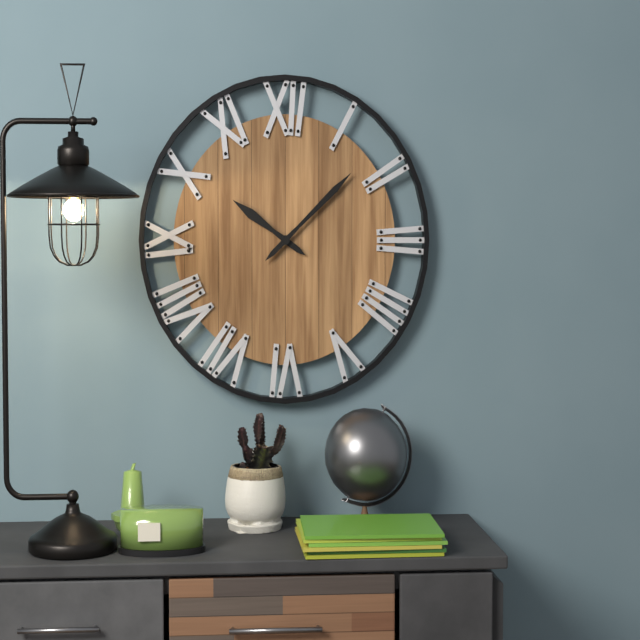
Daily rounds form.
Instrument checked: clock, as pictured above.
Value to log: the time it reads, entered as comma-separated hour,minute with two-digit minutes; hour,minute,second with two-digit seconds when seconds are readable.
10,08
